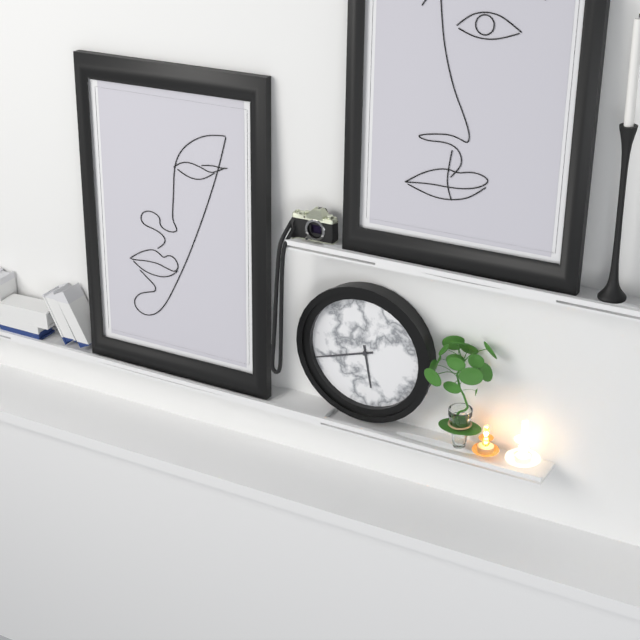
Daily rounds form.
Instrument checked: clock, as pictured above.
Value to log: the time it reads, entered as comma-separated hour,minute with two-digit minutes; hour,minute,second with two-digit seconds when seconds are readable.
5,42
